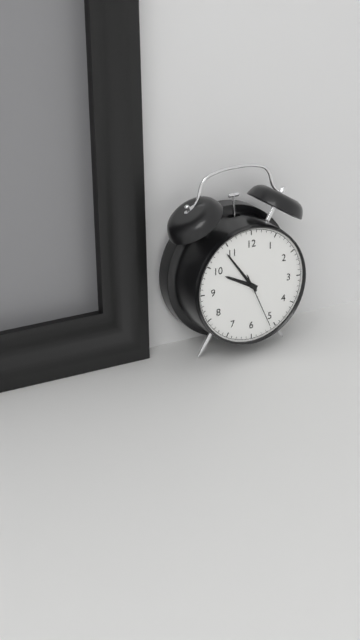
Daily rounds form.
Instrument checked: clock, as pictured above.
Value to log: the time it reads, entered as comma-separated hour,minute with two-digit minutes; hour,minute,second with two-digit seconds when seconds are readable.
9,54,26
